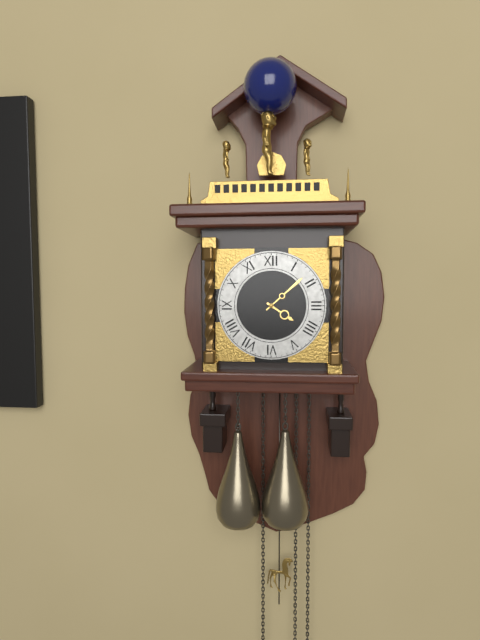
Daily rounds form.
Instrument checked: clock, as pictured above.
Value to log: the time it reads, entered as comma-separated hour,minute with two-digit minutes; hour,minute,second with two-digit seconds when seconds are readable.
4,08
